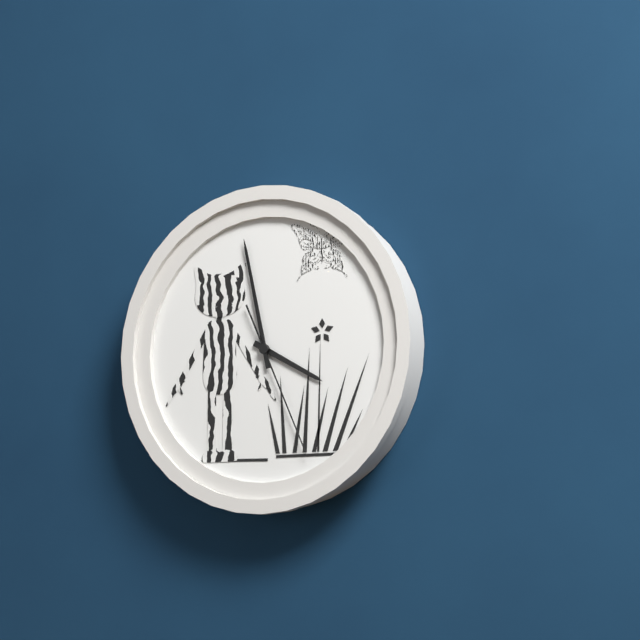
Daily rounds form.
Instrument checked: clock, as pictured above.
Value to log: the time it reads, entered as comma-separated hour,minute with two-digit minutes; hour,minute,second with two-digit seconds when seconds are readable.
3,58,26
